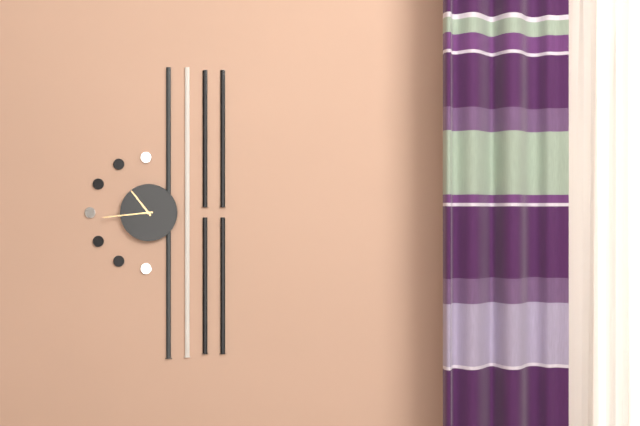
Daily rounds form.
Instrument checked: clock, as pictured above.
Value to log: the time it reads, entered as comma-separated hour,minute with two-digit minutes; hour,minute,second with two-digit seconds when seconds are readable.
10,44
